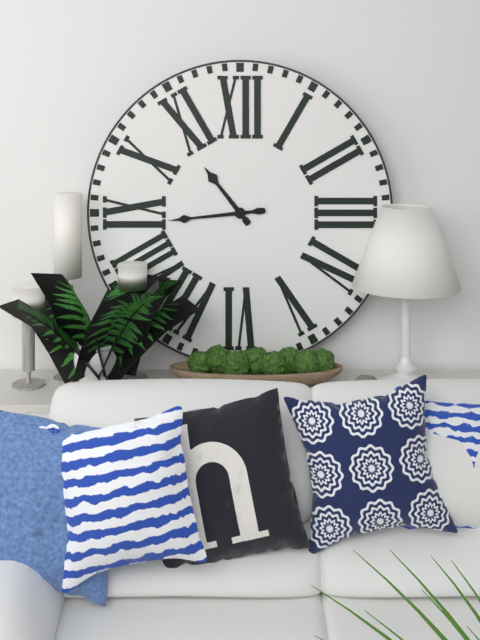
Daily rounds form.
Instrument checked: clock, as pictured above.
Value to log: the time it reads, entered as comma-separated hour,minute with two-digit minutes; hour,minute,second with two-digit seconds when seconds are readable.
10,44
